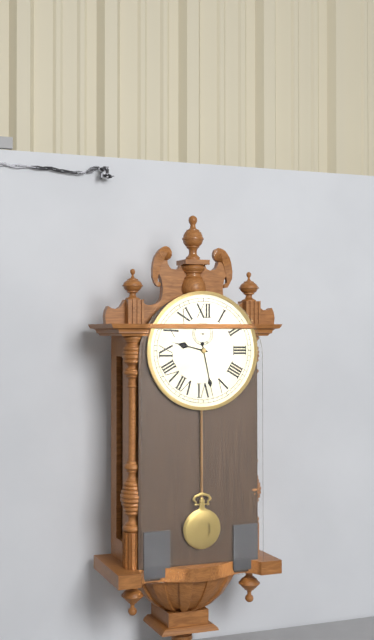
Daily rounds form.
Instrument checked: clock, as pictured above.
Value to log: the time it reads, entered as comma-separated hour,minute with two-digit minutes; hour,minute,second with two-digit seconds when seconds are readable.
9,28
